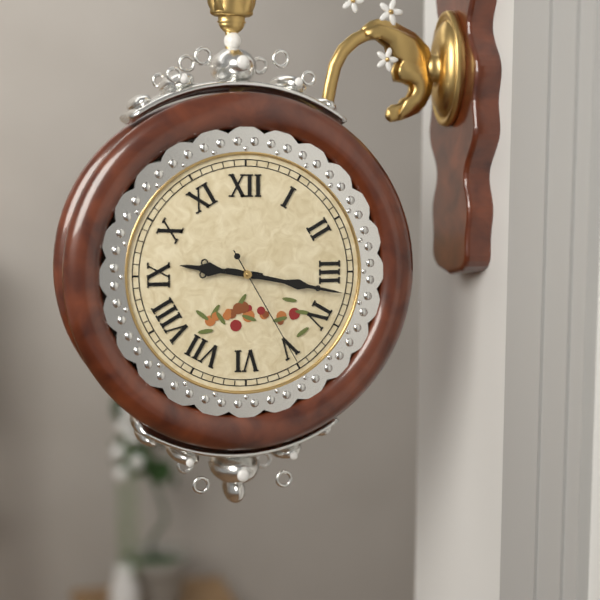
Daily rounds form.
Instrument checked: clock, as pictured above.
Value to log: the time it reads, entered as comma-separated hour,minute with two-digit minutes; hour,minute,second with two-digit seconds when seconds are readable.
9,17,25
